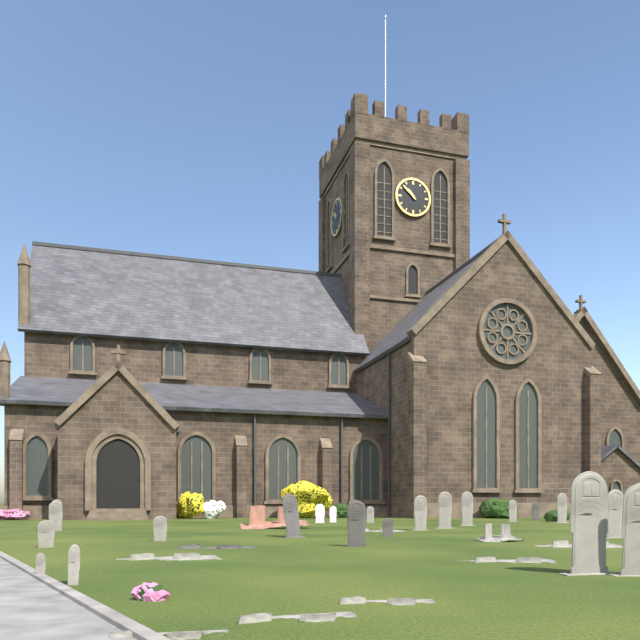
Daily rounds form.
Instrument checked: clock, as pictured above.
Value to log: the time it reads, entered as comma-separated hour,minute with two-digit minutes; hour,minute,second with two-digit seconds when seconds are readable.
10,52
